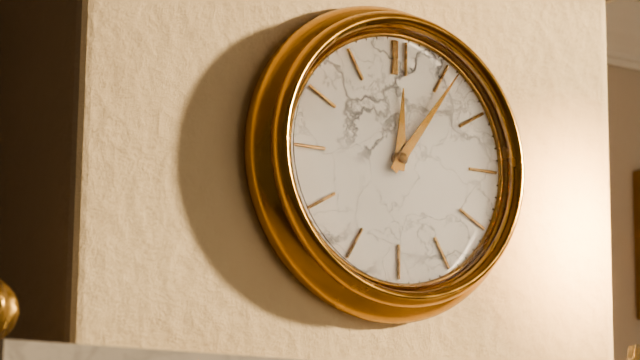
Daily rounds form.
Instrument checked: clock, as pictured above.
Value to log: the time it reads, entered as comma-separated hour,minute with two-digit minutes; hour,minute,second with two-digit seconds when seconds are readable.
12,06
